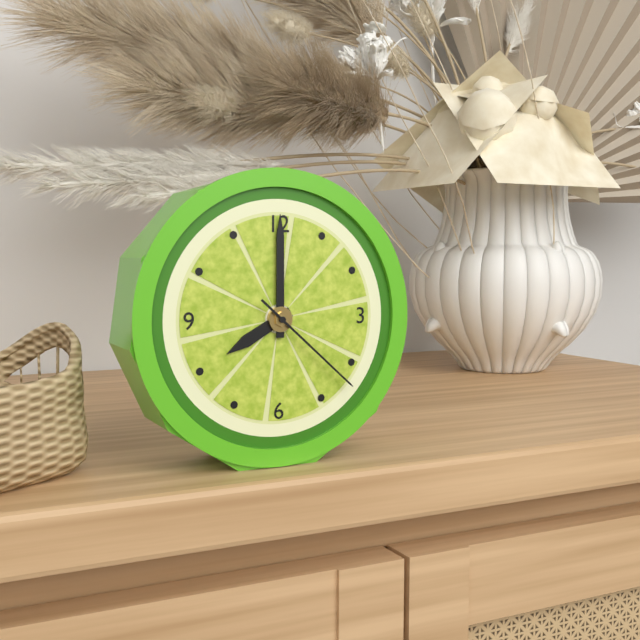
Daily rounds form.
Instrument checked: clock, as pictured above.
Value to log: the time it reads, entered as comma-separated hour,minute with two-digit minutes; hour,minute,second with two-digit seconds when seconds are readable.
8,00,22
